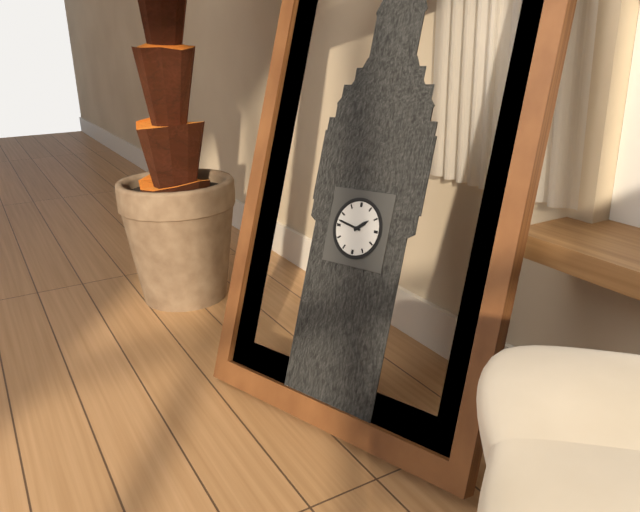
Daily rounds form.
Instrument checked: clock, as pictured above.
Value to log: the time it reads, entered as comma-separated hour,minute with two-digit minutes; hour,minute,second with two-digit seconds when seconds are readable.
1,47
